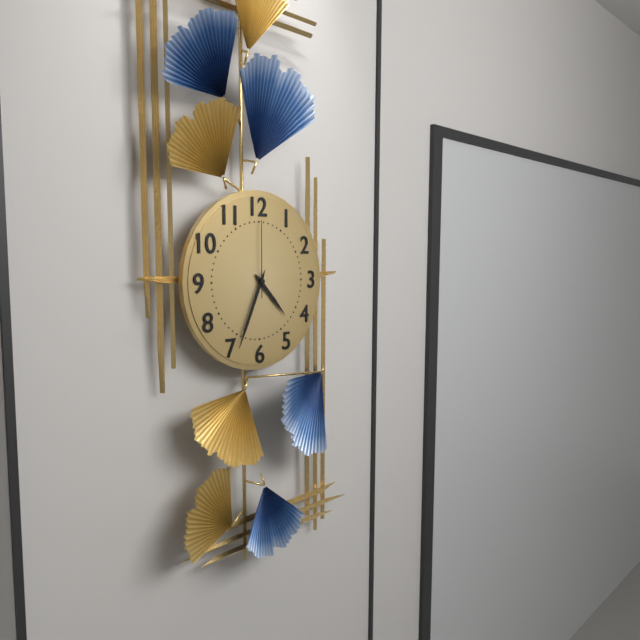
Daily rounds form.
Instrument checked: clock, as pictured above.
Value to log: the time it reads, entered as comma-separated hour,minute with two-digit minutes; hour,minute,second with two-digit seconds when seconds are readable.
4,34,00
